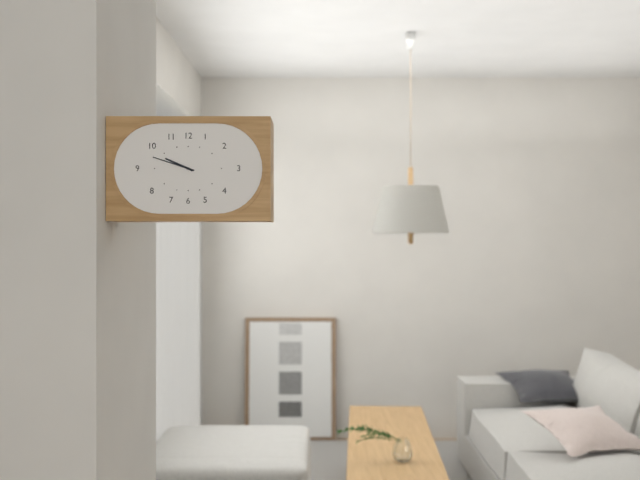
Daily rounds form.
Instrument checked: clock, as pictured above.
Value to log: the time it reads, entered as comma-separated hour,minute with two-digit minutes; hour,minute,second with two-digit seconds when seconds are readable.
9,48
